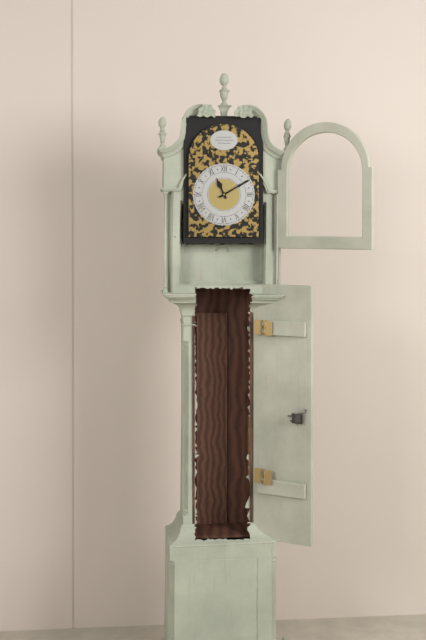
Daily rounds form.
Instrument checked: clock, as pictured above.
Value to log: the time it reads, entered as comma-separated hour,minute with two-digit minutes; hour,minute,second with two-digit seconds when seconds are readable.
11,10
